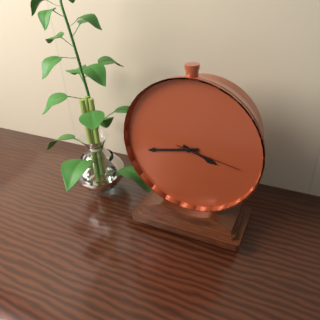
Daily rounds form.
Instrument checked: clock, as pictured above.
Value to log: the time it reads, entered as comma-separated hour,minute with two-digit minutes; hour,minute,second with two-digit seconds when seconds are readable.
3,43,17
